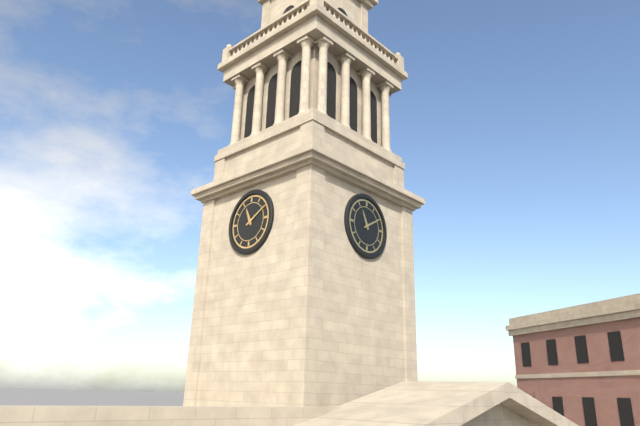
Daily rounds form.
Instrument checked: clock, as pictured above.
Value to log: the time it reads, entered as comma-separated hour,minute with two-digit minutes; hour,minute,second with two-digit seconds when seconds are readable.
11,10
